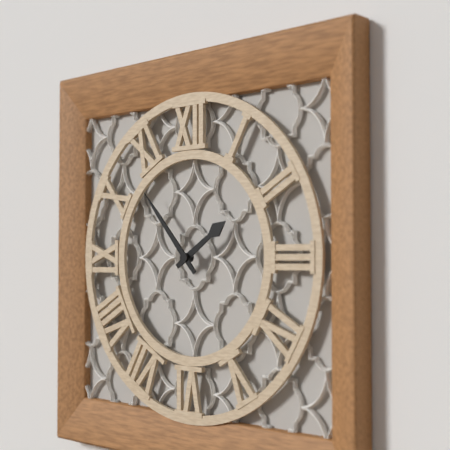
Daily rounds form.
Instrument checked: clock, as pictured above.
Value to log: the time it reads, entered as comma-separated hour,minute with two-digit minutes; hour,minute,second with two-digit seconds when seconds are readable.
1,53
